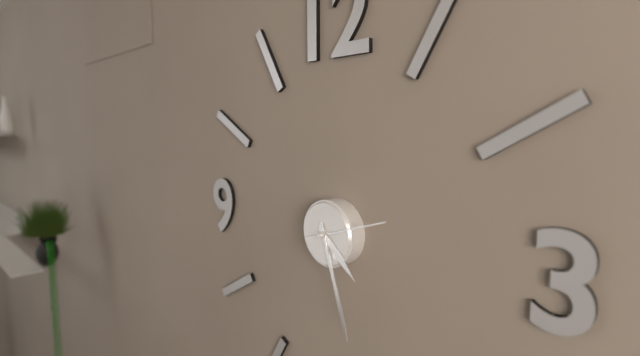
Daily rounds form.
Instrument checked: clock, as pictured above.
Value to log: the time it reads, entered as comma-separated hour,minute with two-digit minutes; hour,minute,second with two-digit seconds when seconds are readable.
4,27,12
